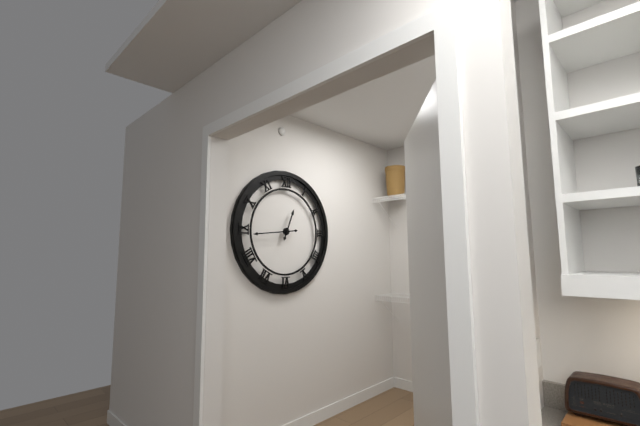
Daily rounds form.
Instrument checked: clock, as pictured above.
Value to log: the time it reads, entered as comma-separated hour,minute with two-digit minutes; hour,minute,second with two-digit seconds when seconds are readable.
12,44
